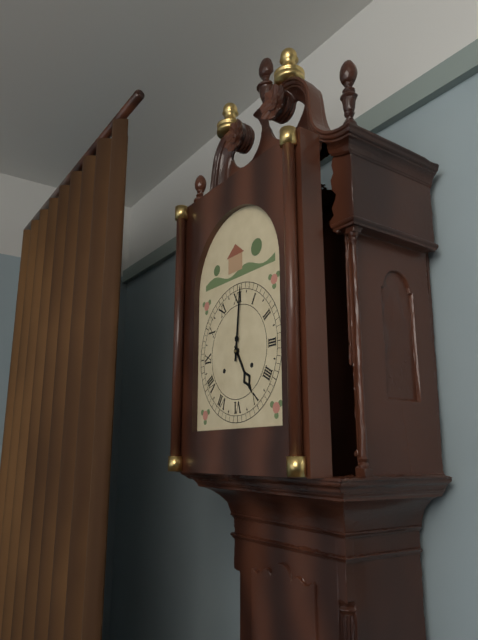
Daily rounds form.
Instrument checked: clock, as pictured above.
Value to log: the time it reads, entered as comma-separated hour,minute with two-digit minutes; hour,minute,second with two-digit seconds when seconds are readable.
5,01
